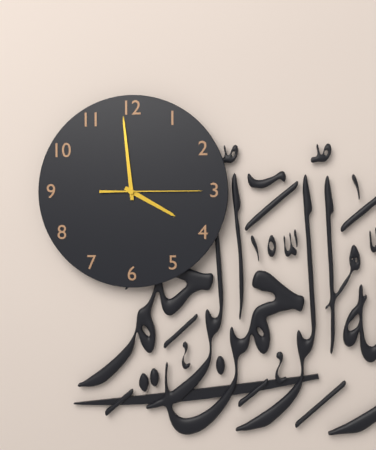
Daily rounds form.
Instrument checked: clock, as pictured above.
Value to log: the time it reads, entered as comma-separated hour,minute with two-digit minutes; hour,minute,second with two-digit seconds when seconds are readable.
3,59,15
